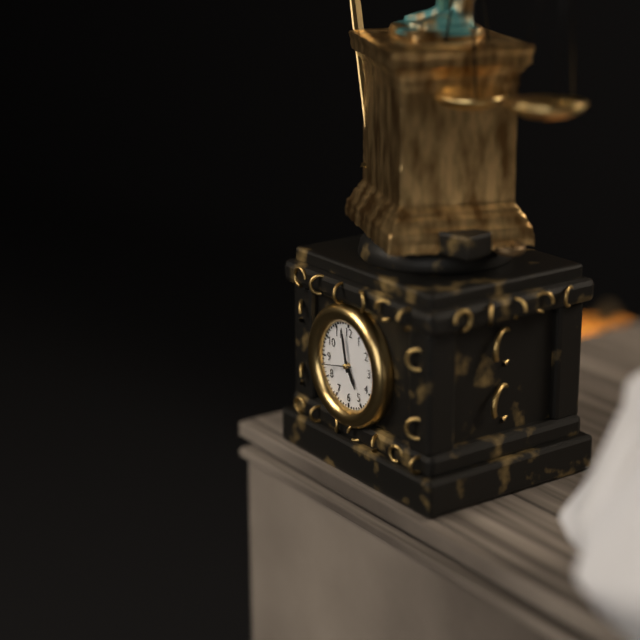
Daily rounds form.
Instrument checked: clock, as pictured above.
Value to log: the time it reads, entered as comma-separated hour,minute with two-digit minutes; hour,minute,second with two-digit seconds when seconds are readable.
4,58
